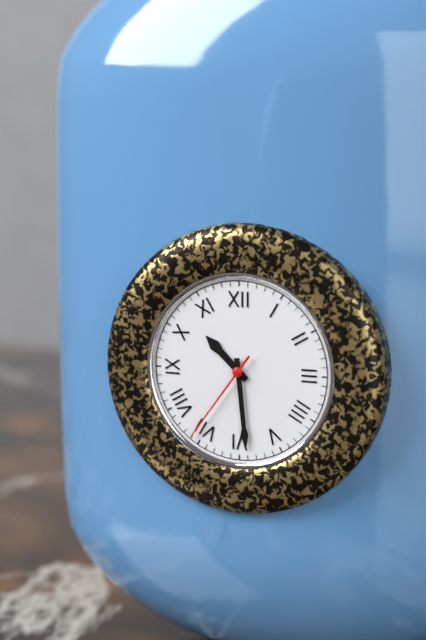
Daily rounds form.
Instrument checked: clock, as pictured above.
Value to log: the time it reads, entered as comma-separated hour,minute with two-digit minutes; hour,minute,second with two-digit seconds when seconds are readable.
10,29,36
